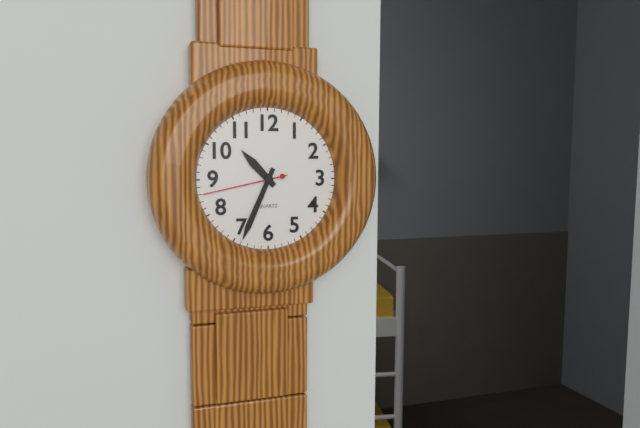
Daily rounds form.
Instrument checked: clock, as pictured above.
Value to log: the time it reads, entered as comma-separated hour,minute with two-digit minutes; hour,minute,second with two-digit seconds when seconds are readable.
10,34,43
